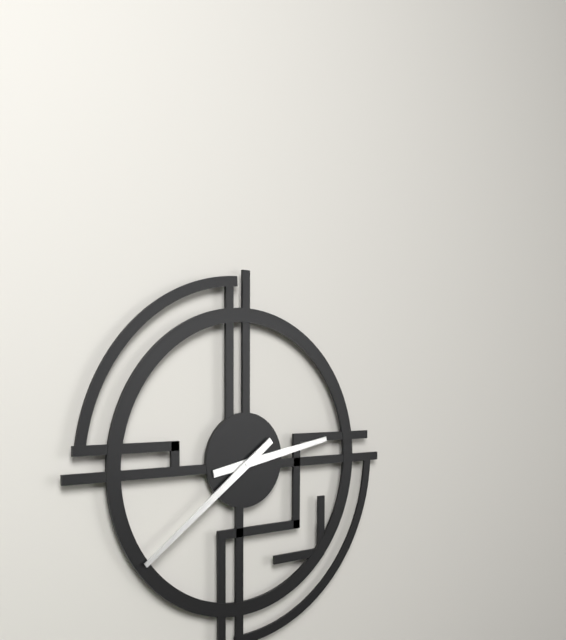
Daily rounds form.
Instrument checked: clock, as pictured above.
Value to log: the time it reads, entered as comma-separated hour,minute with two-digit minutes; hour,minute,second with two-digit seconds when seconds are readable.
2,39
